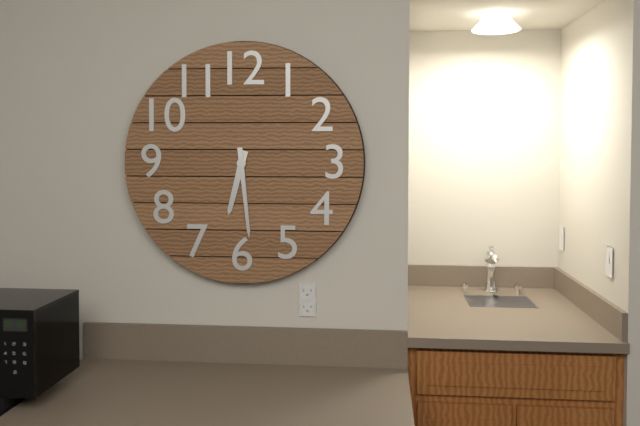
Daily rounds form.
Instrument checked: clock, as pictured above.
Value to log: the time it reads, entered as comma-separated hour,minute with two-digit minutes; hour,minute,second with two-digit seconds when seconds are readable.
6,29
